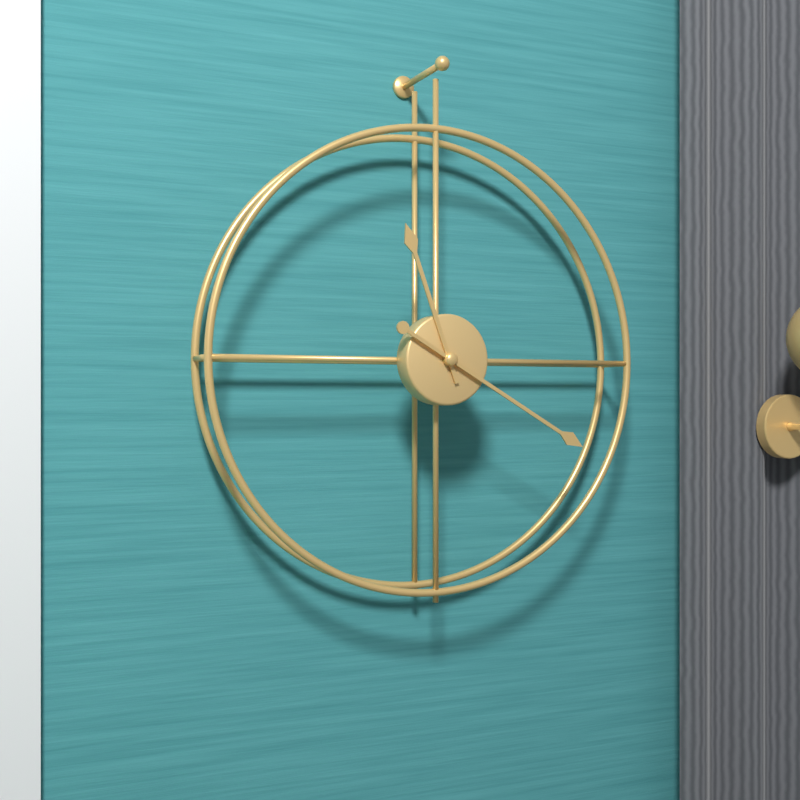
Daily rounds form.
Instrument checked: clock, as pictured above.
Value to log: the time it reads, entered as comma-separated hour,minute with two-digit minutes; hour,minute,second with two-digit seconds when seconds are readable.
11,20
